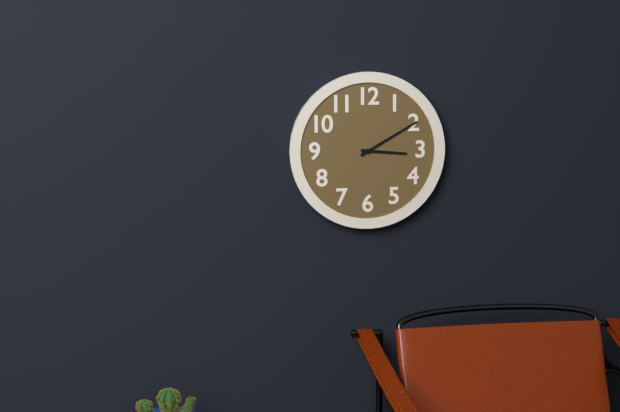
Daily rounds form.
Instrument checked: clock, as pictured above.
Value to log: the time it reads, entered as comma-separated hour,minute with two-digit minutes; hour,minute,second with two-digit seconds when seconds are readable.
3,10
